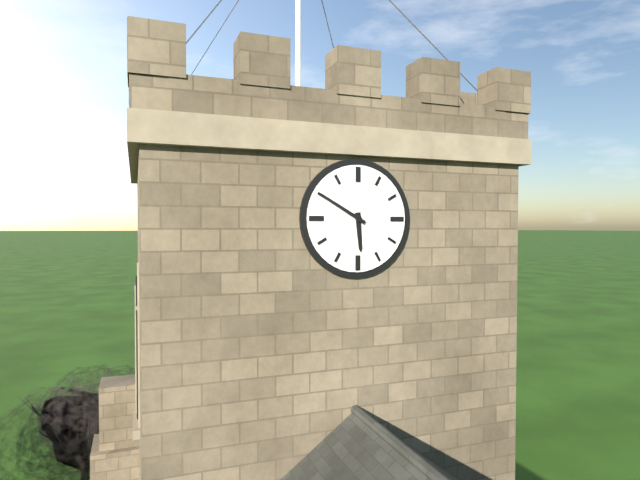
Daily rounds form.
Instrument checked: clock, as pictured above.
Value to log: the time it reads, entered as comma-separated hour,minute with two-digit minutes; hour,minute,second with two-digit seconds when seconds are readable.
5,50
